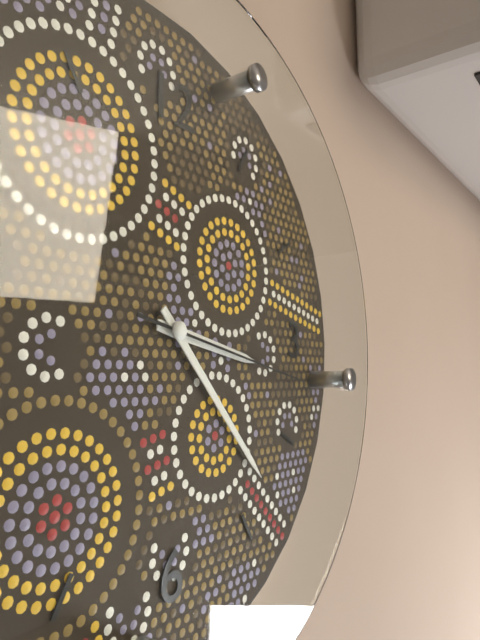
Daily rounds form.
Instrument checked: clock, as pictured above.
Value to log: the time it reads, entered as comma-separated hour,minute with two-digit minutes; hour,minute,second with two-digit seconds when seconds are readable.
3,23,17
